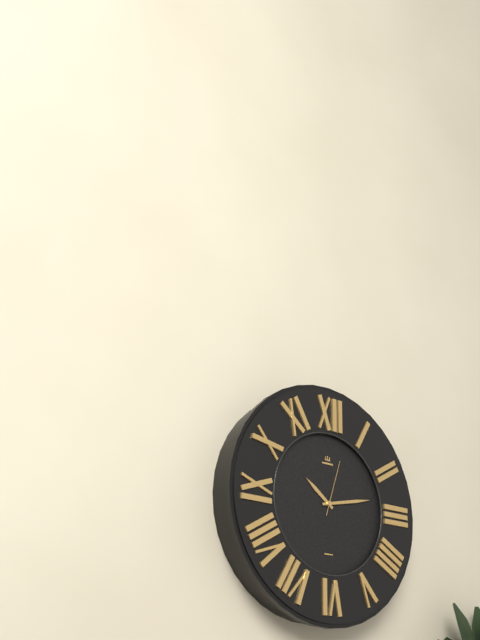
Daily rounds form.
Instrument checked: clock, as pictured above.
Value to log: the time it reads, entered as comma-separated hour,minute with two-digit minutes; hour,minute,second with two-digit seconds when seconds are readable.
10,13,03
